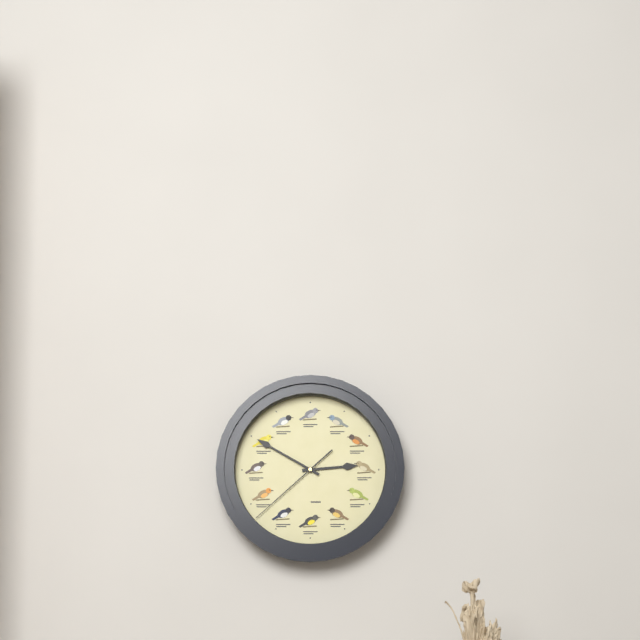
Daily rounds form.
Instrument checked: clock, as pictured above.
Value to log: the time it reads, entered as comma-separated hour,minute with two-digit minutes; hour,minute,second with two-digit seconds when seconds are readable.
2,50,38
